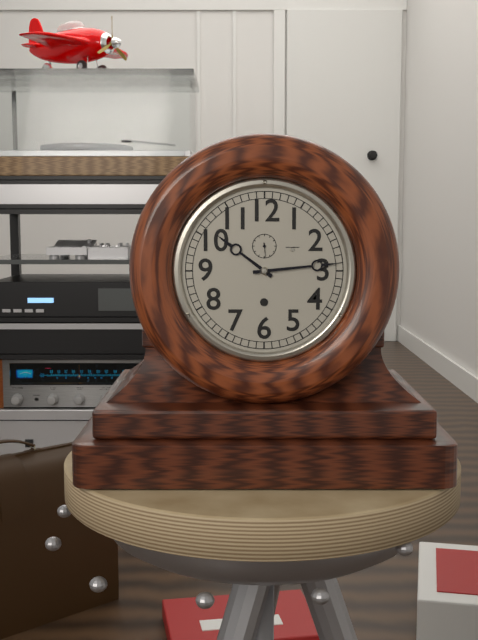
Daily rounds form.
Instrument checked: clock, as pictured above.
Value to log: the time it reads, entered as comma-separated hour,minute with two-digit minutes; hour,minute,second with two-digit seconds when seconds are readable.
10,14
